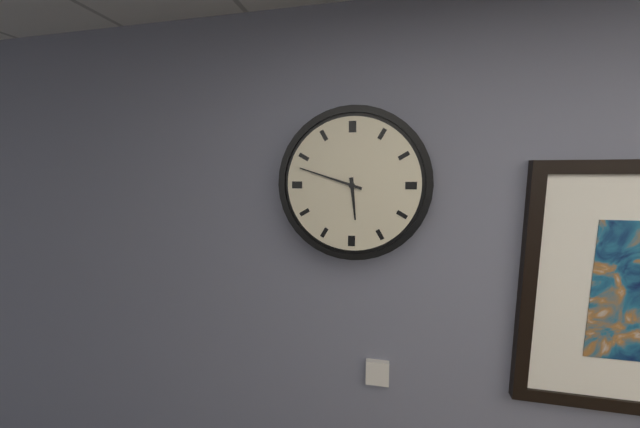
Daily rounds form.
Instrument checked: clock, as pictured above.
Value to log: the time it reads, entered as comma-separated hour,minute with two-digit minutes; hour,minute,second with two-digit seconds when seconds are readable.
5,48
